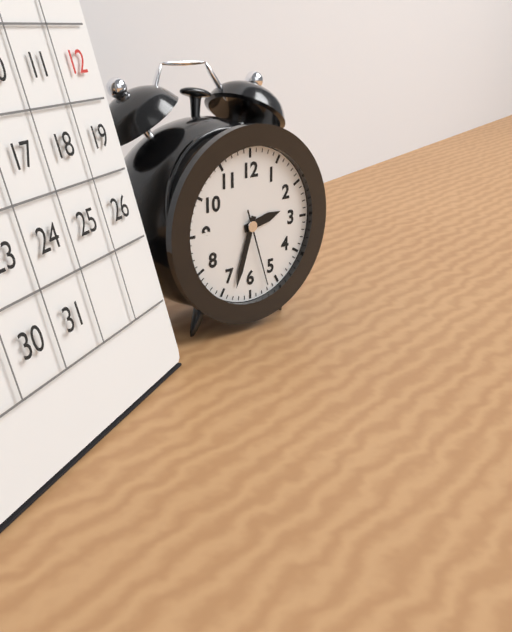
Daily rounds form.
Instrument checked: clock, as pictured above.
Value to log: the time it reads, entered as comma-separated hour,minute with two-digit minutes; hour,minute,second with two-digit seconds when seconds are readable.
2,33,27
